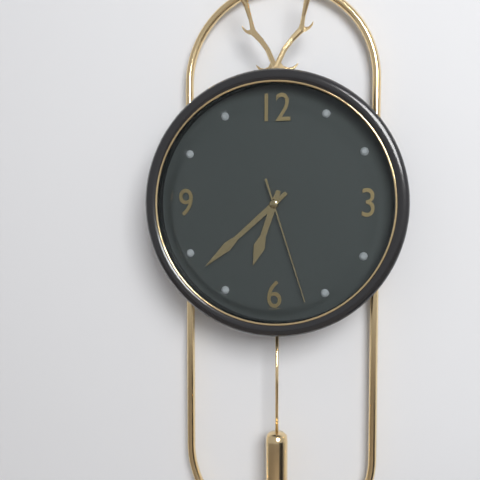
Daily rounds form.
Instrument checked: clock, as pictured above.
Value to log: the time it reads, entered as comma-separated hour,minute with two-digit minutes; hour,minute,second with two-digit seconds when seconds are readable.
6,38,27
